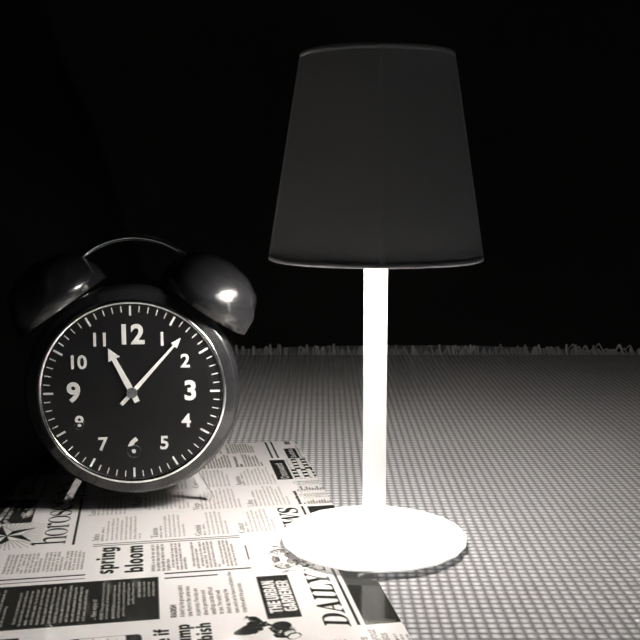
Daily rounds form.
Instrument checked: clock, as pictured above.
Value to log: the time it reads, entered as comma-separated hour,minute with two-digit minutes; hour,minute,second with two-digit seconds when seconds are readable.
11,07
